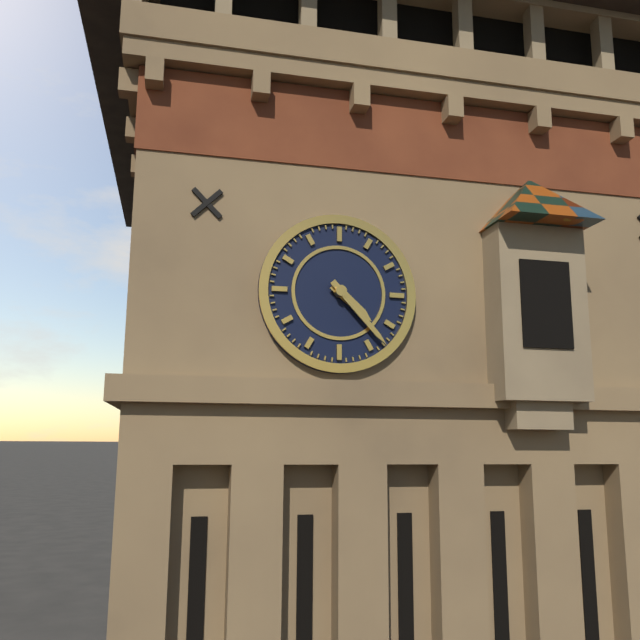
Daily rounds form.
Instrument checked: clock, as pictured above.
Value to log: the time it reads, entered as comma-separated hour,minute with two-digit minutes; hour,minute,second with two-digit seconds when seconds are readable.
4,23
